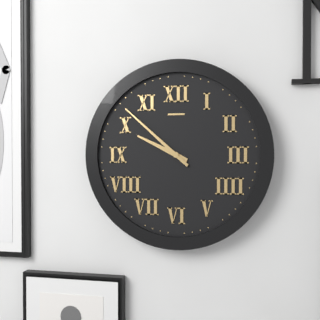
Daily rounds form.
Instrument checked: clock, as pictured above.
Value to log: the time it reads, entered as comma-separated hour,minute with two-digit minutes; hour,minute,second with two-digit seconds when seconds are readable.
9,52
